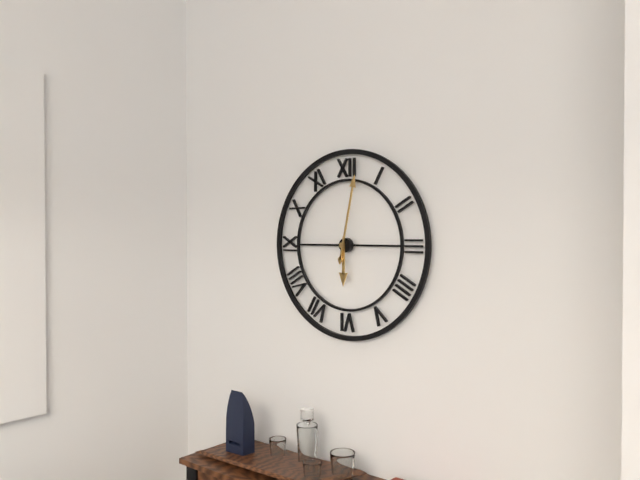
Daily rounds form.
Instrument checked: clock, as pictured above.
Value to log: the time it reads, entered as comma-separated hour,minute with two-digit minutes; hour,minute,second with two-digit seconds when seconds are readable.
6,02
